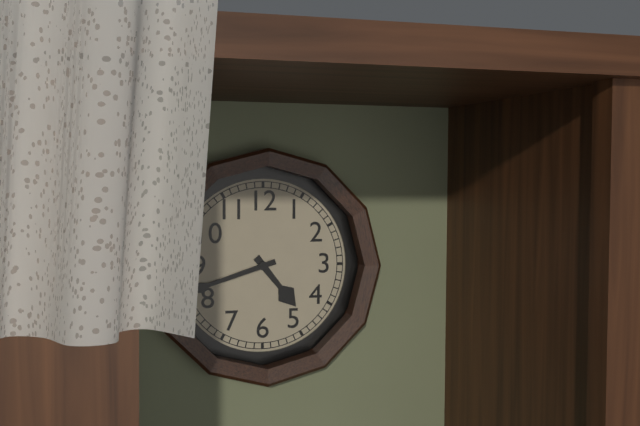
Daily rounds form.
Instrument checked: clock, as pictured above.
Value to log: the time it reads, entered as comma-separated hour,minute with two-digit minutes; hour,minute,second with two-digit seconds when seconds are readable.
4,42
